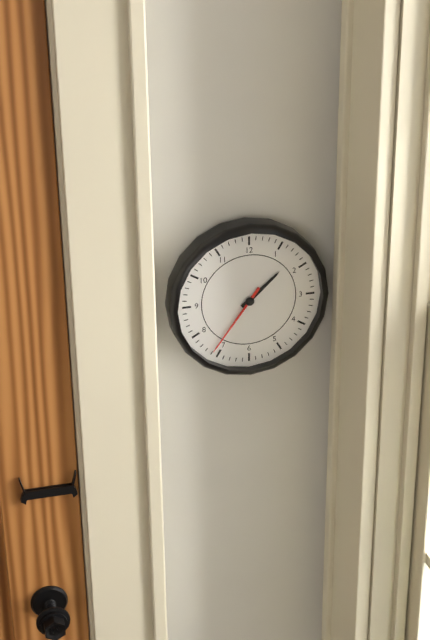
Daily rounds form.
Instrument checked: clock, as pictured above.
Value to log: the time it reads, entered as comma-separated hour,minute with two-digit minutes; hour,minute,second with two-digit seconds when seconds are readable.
1,36
